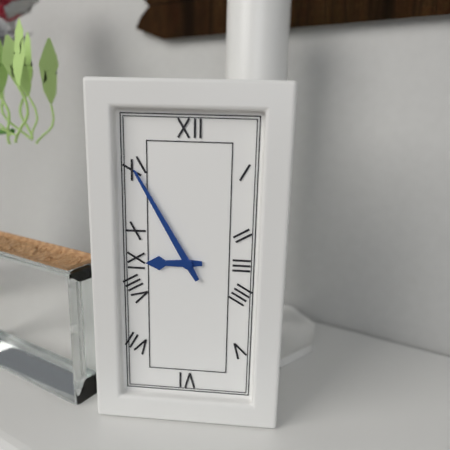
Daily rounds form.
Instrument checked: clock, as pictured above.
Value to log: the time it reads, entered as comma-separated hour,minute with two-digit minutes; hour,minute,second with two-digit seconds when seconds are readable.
8,55
